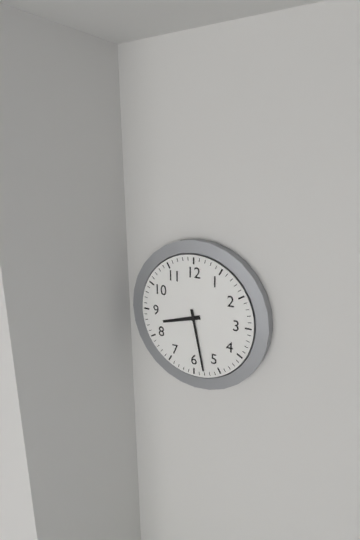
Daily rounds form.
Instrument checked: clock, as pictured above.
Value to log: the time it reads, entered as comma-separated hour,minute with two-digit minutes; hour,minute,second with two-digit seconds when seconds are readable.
8,28
